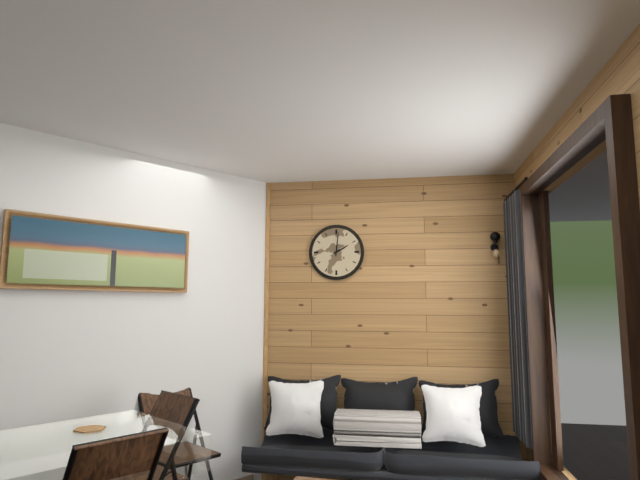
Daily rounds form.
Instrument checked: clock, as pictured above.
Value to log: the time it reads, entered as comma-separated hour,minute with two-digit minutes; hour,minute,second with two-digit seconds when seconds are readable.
2,01
